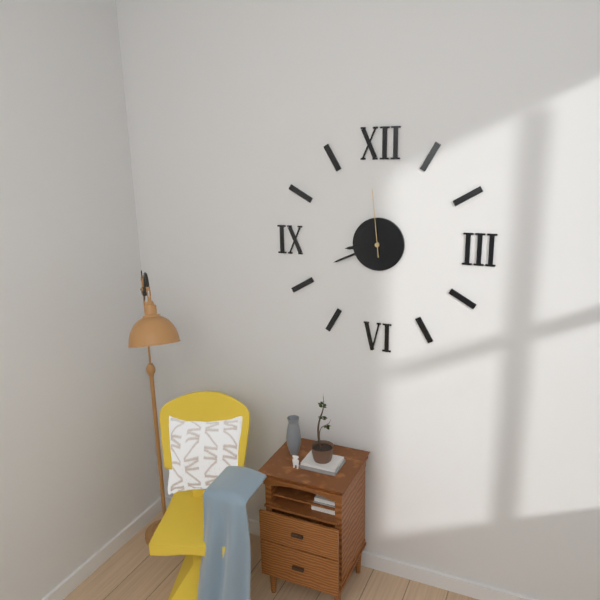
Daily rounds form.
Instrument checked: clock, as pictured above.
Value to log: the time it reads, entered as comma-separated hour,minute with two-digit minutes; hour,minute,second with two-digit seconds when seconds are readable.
8,41,59
